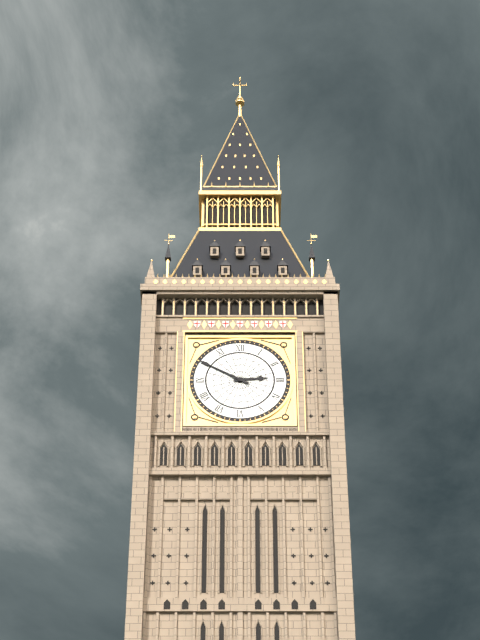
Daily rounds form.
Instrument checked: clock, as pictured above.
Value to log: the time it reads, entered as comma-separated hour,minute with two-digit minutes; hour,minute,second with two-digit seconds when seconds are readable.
2,50
